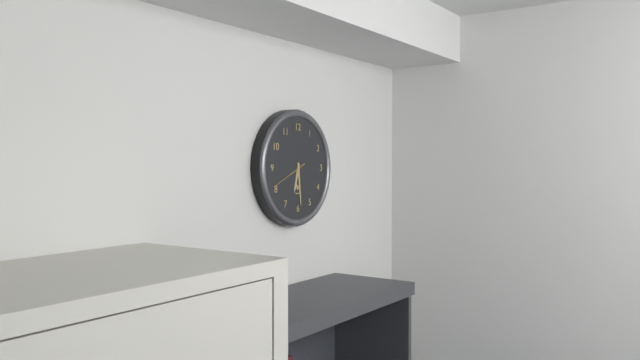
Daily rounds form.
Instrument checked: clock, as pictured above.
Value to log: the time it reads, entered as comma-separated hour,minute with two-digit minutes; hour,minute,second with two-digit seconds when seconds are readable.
6,29
